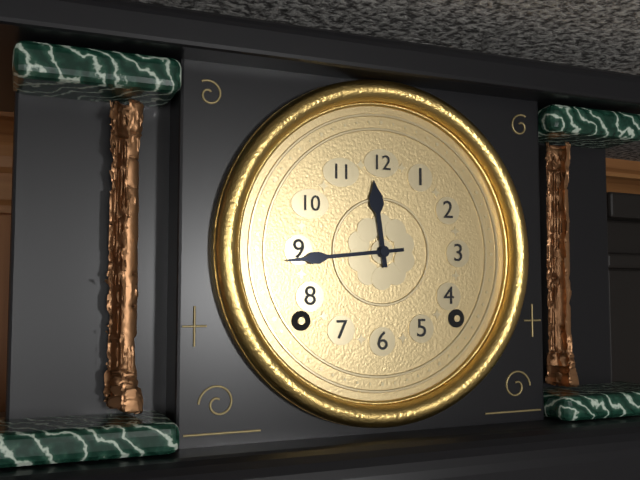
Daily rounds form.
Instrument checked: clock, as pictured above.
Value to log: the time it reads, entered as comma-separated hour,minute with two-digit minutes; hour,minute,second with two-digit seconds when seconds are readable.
11,44
